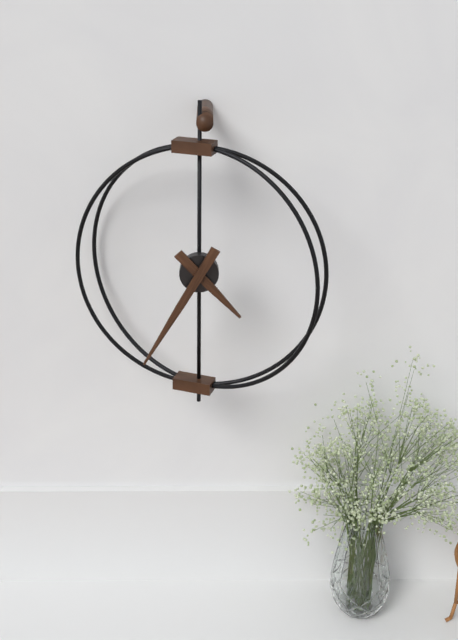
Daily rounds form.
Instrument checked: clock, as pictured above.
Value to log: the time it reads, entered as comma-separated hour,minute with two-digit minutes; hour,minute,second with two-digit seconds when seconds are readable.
4,35
